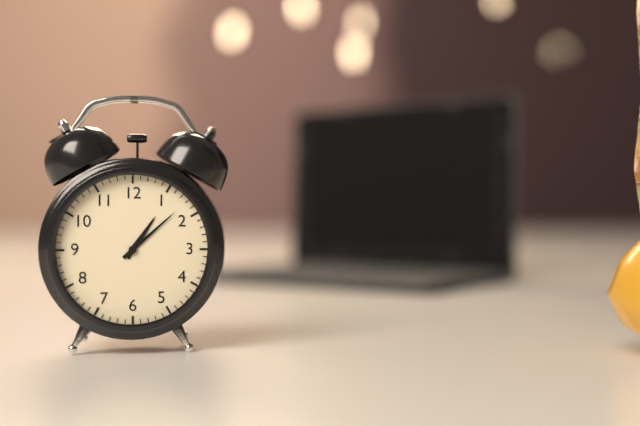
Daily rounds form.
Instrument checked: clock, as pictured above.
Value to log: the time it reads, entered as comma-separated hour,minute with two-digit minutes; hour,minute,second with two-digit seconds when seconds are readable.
1,08
